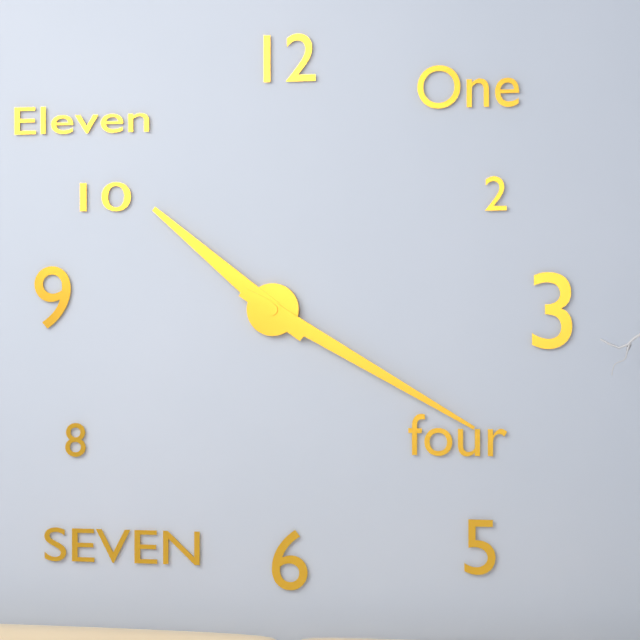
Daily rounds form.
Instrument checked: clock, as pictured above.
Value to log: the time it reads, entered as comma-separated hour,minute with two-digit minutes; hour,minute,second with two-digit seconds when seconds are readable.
10,20
